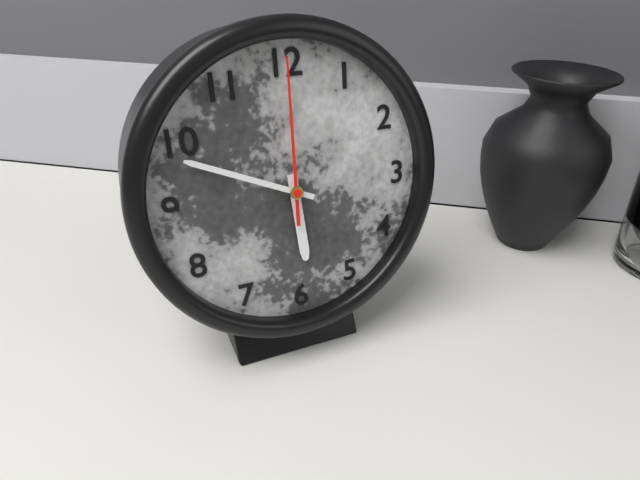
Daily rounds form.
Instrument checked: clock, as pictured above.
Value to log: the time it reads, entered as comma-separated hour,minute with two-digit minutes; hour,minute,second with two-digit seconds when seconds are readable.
5,49,00
